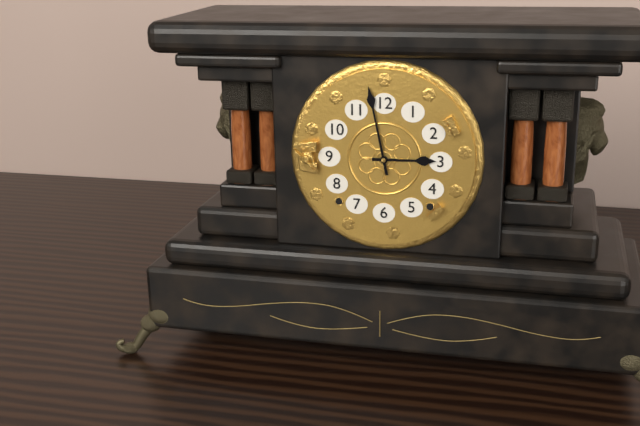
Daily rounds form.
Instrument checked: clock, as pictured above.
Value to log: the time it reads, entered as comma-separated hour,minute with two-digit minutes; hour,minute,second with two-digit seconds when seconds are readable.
2,58
